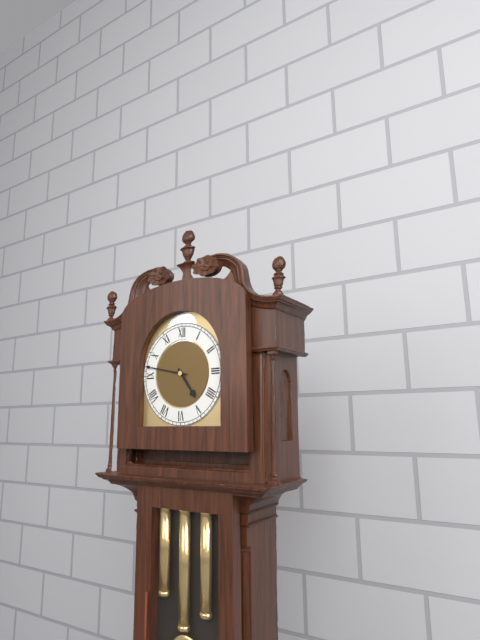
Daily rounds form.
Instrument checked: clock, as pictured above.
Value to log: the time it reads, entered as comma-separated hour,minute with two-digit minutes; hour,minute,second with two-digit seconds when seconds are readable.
4,47
